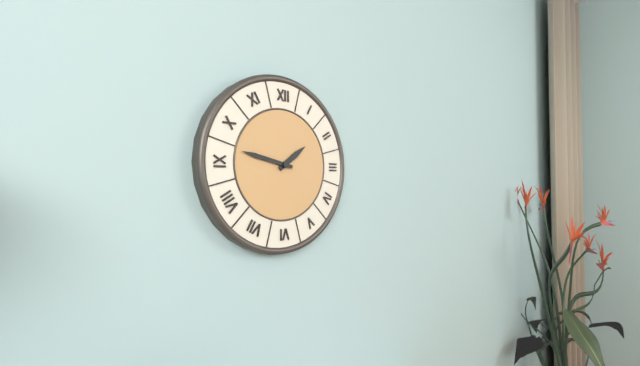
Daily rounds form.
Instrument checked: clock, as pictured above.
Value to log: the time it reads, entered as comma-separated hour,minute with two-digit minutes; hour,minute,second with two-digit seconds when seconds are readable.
1,47
